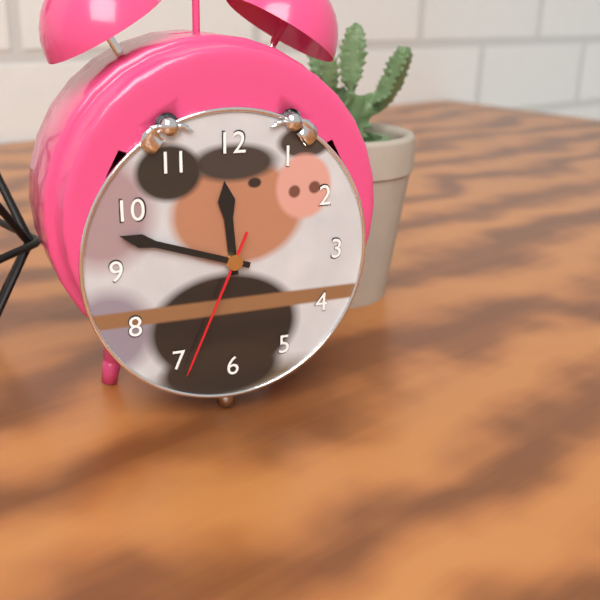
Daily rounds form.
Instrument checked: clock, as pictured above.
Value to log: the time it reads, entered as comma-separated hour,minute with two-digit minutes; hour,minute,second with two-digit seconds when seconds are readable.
11,48,34
